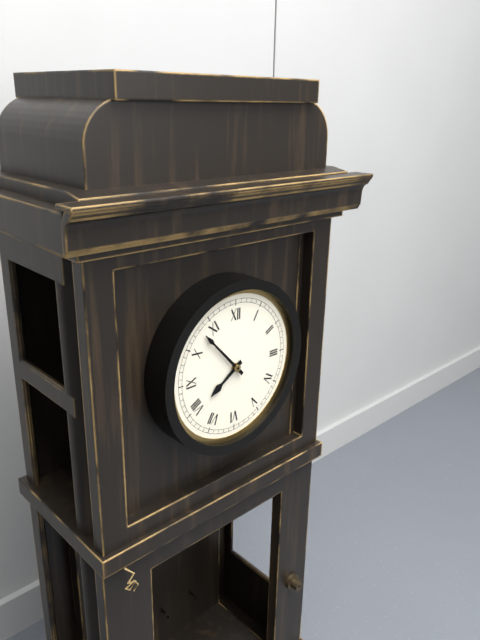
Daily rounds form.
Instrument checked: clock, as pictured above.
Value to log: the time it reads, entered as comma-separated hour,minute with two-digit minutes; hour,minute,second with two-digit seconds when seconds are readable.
7,53
